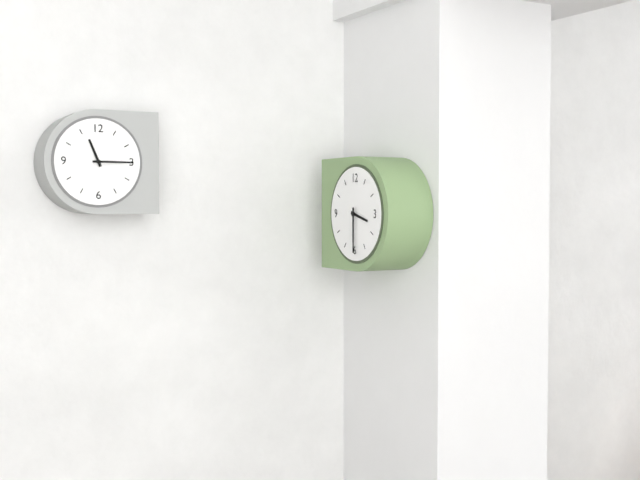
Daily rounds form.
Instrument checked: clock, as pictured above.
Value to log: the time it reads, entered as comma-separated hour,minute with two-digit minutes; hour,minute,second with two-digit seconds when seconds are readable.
3,30
